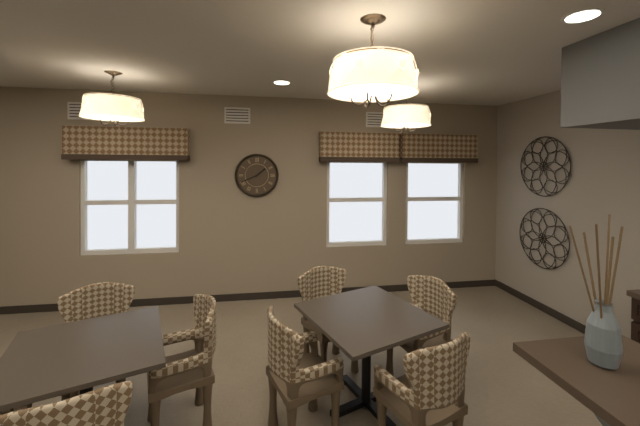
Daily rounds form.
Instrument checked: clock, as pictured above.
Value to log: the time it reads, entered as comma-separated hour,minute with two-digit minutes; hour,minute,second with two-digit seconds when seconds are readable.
1,41
